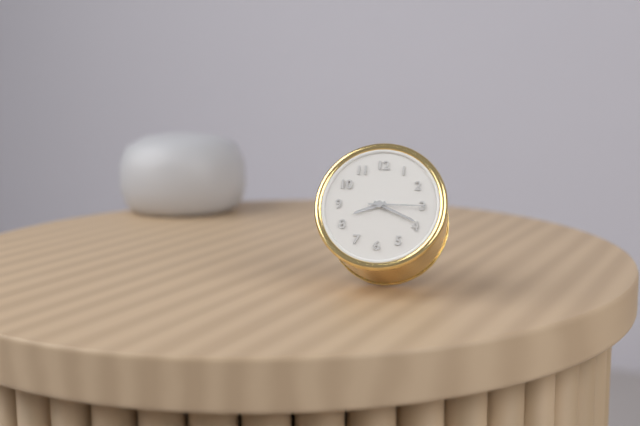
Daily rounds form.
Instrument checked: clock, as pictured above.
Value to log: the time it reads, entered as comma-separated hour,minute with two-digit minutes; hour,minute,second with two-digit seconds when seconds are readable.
8,19,15
